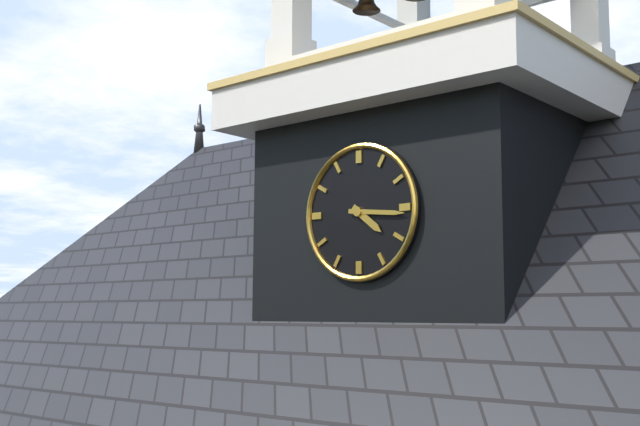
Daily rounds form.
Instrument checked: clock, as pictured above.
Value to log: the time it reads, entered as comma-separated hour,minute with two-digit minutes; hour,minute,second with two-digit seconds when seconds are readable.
4,16
